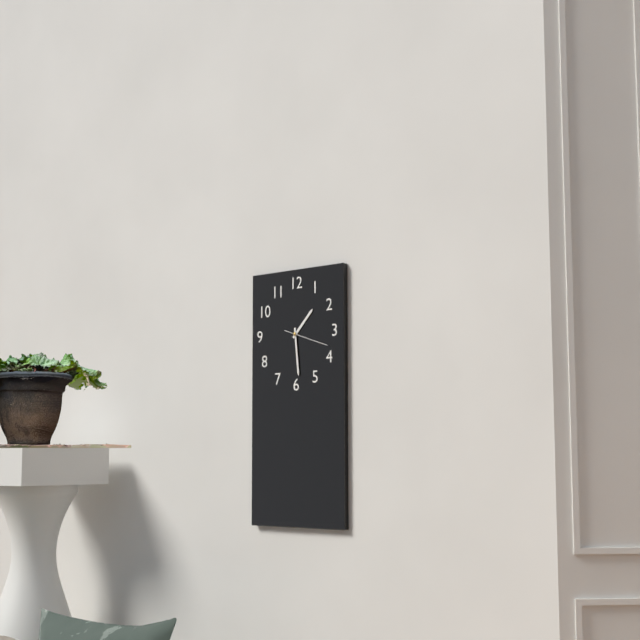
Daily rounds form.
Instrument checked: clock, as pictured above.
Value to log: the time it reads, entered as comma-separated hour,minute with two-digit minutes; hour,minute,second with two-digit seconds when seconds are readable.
1,29
